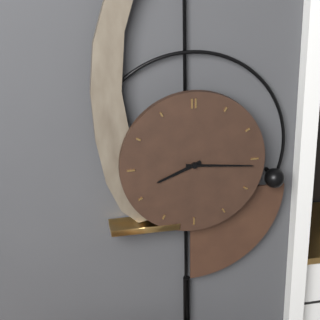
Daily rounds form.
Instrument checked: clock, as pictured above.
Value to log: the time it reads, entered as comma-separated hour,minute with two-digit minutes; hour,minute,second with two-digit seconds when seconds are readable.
8,16
